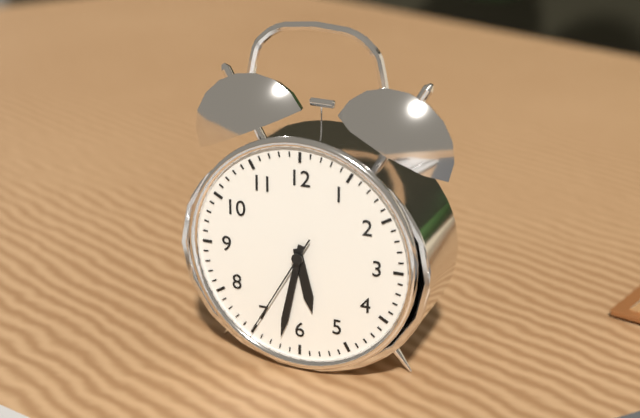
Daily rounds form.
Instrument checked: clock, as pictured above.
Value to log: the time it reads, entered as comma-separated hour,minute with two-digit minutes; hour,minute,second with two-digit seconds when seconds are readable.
5,32,35
